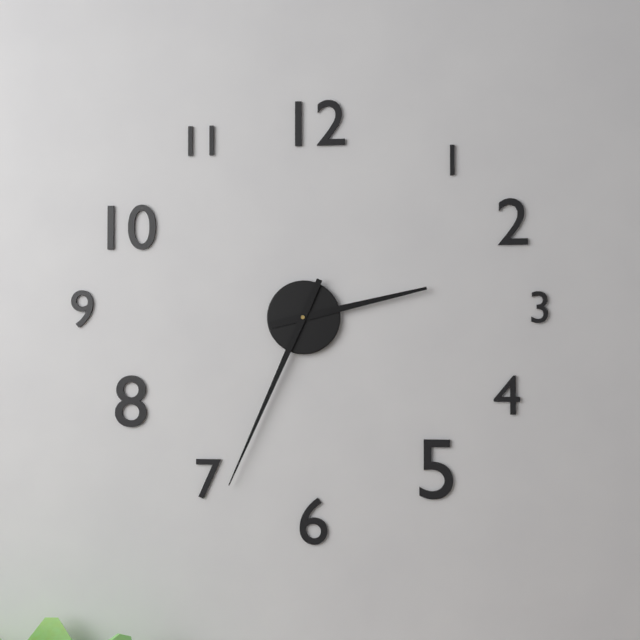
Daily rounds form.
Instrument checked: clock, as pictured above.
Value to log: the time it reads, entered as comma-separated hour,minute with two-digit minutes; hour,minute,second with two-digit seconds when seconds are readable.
2,34
